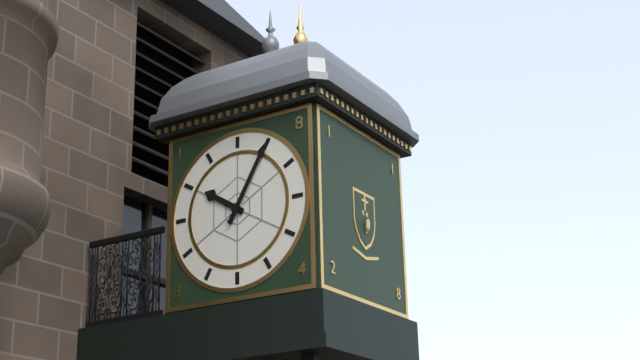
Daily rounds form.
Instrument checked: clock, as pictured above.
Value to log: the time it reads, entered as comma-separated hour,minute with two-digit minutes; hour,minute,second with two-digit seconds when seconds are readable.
10,05
